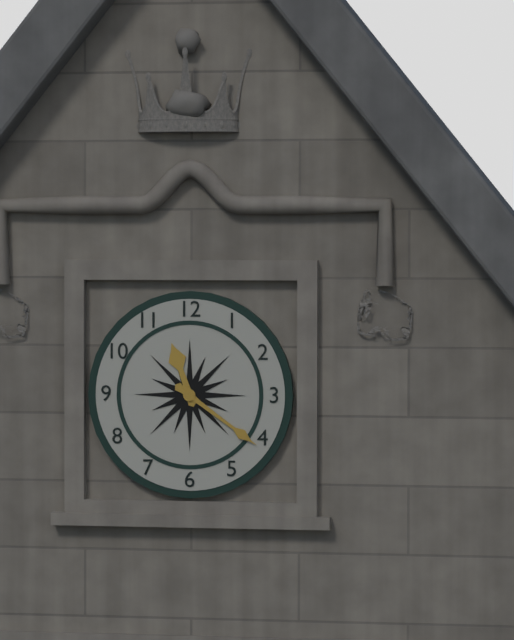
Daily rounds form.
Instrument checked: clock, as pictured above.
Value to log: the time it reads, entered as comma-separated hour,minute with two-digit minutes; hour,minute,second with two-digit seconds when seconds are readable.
11,21
